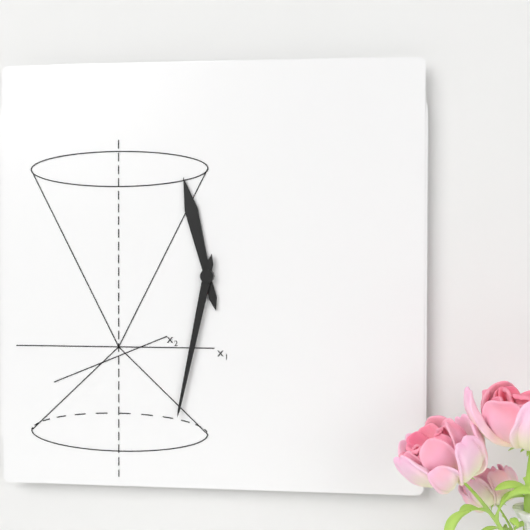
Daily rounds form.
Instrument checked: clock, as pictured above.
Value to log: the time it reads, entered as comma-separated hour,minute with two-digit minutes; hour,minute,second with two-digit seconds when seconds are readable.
11,32
